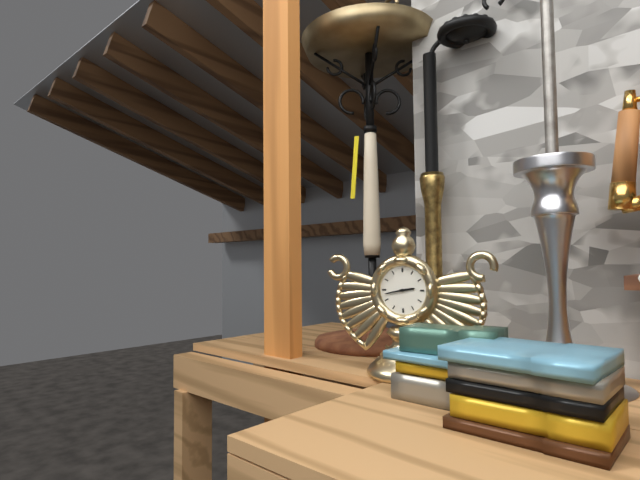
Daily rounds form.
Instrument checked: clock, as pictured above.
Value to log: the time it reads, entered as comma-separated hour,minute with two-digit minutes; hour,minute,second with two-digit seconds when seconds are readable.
2,43
